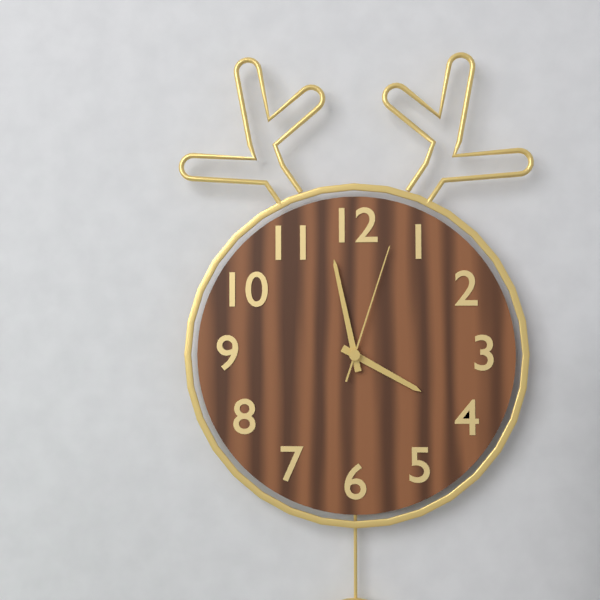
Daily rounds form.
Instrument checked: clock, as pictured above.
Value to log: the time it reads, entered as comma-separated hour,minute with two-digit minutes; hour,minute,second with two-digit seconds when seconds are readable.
3,58,03
